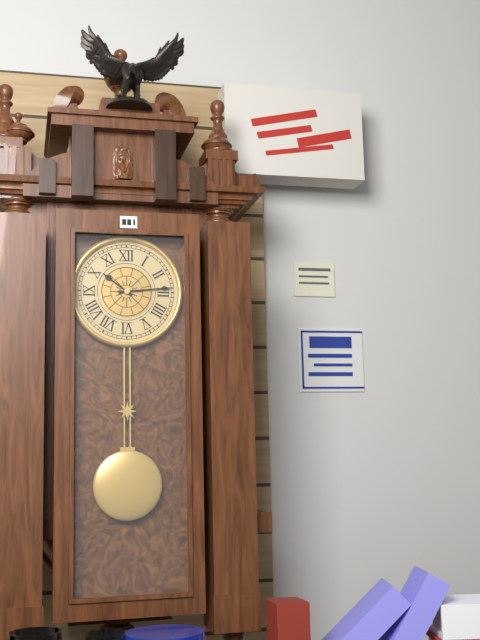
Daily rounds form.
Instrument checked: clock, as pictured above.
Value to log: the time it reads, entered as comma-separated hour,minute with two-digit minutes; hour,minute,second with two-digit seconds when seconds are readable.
10,14
